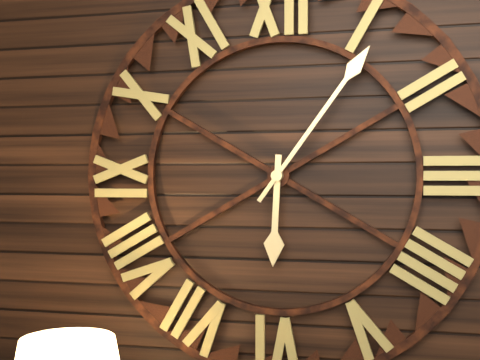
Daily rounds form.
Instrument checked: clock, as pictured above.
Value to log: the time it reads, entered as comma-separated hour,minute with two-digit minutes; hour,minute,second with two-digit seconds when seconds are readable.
6,06
